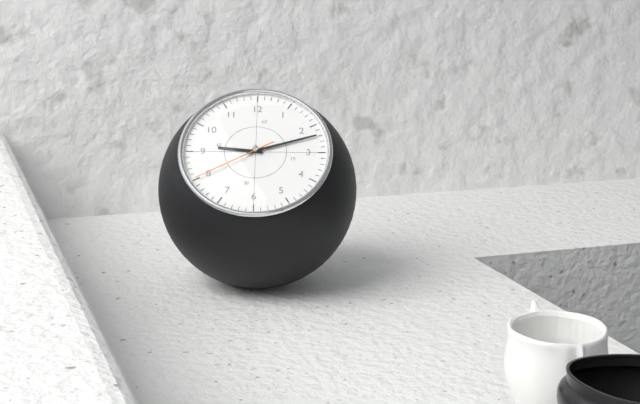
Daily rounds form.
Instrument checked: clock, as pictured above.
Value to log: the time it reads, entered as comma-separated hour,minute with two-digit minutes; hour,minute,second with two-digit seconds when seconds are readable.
9,12,40
